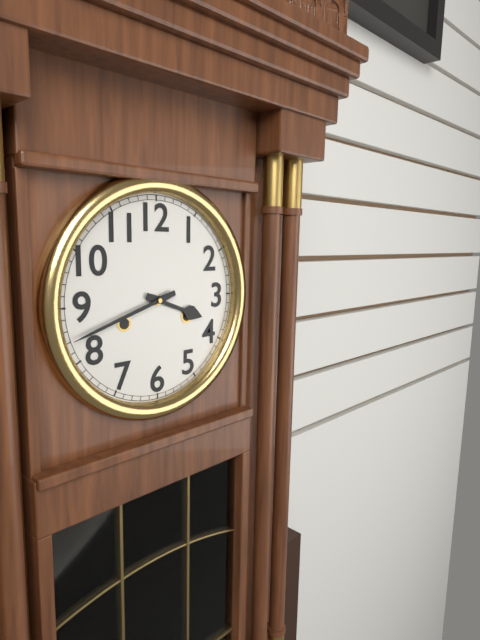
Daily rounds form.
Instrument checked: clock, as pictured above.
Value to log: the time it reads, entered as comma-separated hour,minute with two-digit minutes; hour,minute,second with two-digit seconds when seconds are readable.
3,42
